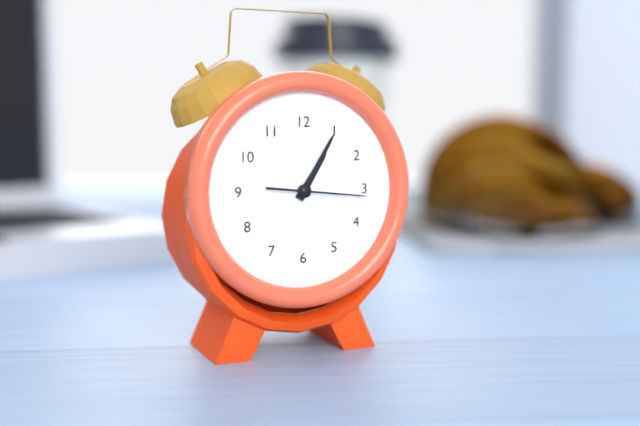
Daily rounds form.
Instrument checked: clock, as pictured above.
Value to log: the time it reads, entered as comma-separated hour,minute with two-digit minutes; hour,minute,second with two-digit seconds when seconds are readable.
1,05,16
